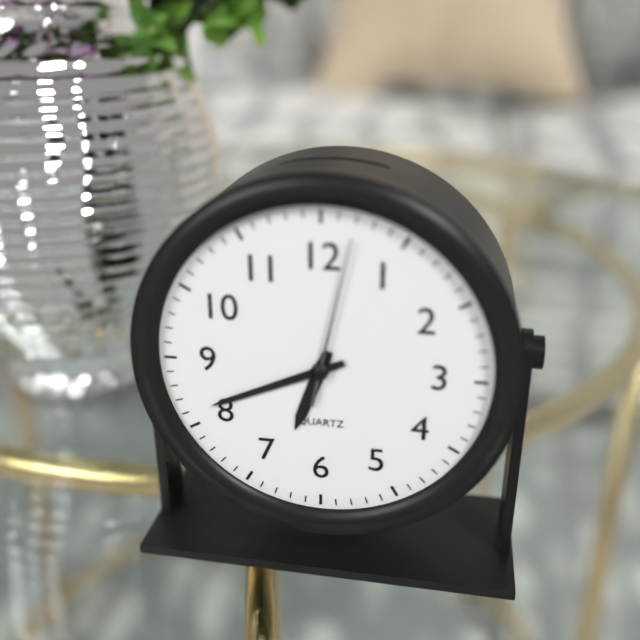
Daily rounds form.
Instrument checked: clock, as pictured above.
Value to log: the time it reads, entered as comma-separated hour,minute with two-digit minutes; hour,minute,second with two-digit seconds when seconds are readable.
6,41,02
